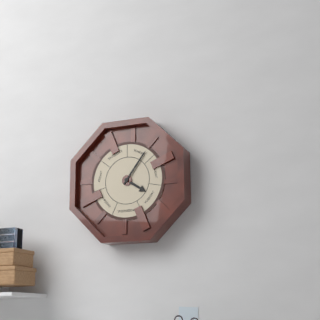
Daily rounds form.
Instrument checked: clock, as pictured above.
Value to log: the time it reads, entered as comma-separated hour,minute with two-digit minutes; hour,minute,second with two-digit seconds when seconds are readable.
4,06
